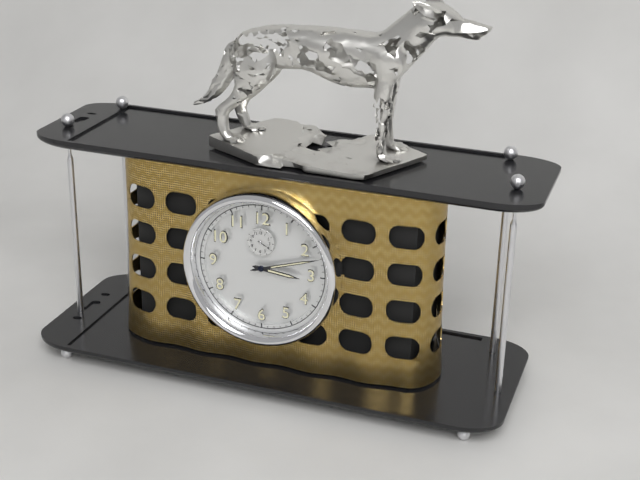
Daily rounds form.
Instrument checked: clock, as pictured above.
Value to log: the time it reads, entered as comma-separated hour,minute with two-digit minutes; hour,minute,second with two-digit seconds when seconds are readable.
3,12
